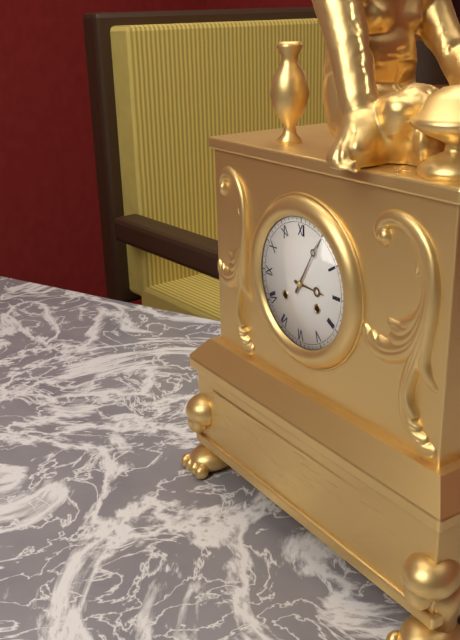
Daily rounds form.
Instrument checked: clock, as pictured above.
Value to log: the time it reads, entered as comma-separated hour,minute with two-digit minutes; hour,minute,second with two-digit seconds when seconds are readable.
3,05
